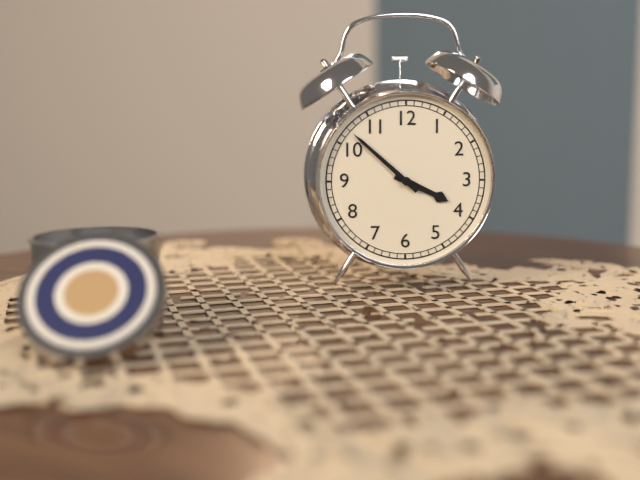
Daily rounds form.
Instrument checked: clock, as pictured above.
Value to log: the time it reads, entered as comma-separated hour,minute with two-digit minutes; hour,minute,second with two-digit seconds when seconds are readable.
3,52
